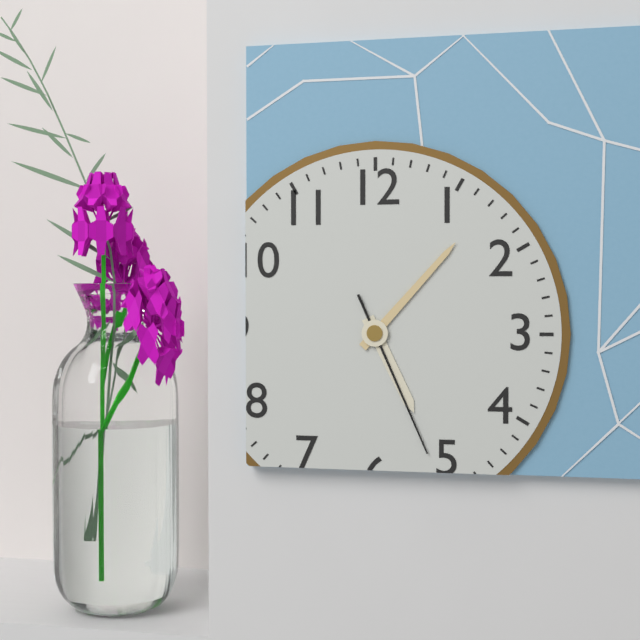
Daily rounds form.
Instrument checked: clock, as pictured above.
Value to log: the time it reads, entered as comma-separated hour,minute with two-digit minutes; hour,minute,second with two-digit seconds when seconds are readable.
5,07,26
